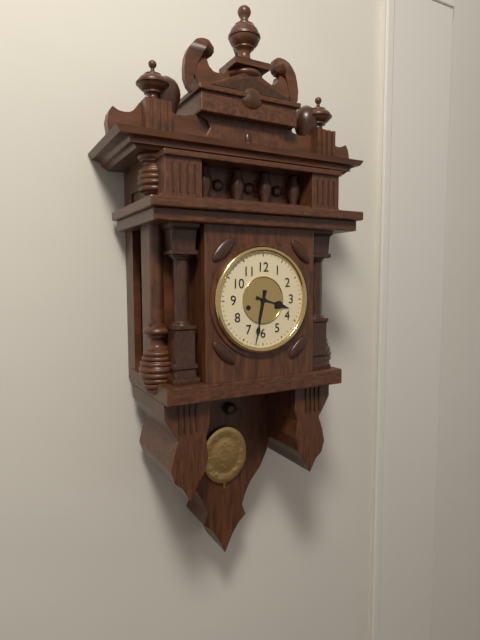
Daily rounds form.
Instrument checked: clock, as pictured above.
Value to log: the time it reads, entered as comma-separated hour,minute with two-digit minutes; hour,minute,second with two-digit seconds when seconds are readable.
3,32
